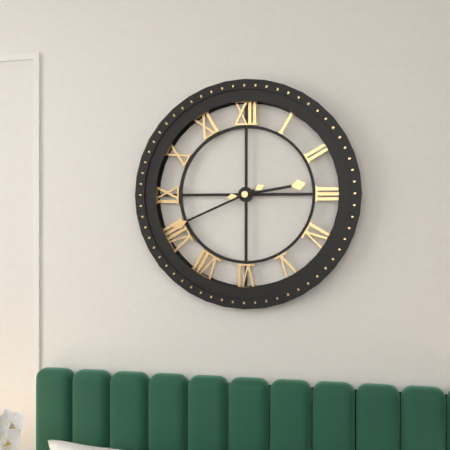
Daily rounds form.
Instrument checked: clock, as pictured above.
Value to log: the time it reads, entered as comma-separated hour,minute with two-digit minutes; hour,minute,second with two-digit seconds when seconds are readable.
2,41
